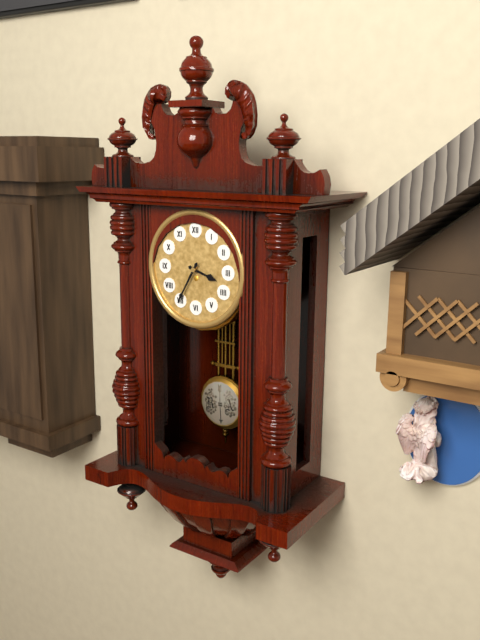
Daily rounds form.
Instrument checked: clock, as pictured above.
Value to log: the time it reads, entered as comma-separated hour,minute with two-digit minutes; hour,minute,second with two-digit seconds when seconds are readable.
3,35
